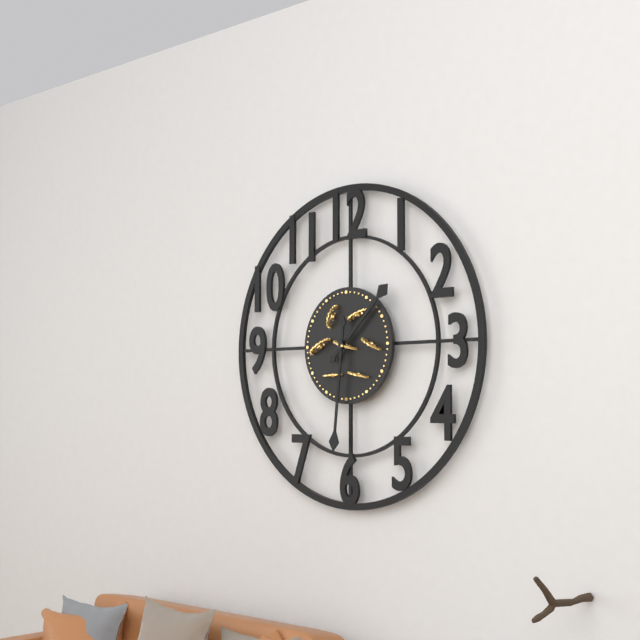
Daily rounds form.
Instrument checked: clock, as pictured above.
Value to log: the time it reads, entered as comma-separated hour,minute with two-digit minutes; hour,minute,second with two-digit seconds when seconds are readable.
1,31
